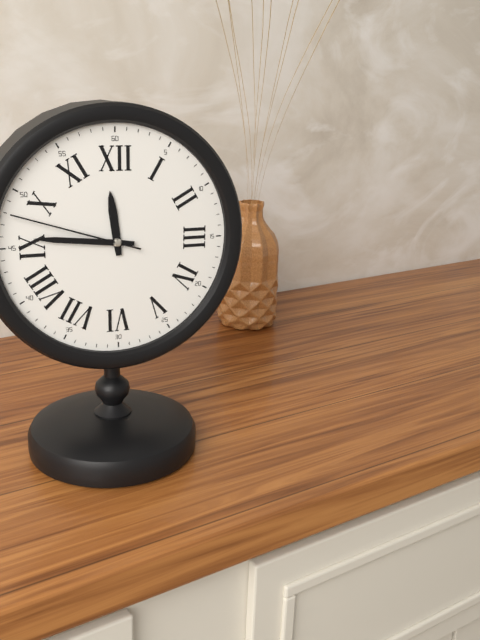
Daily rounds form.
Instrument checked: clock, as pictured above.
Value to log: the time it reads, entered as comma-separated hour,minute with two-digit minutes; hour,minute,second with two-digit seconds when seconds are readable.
11,46,48
